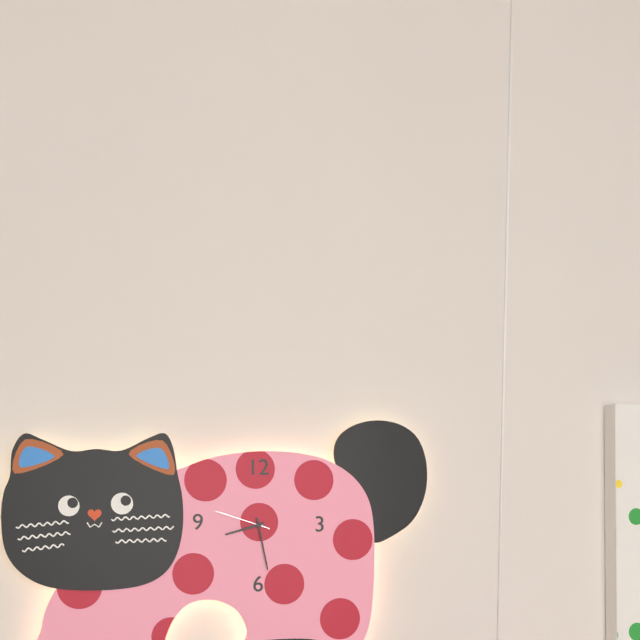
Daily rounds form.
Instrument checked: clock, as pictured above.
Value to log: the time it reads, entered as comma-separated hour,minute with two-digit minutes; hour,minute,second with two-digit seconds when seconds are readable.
8,28,48
